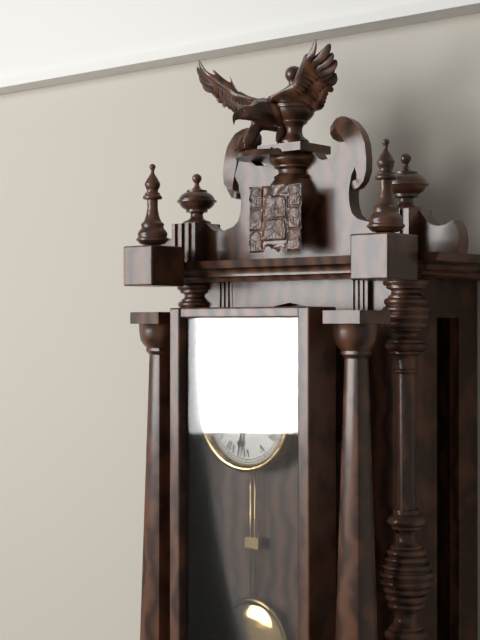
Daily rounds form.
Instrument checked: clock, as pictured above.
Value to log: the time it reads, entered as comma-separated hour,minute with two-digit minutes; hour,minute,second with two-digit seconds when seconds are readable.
9,32
